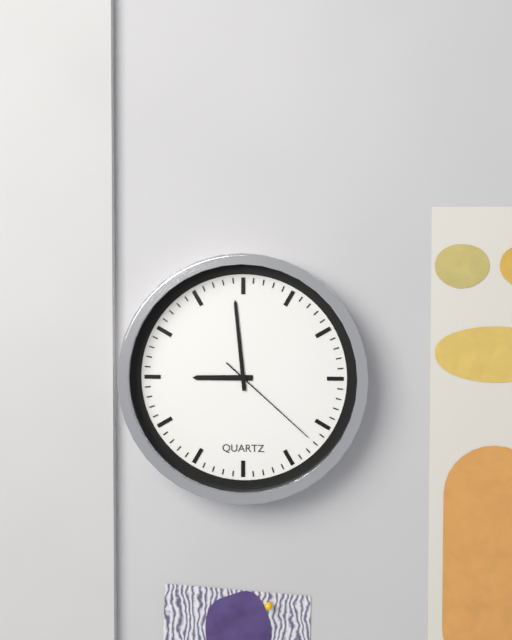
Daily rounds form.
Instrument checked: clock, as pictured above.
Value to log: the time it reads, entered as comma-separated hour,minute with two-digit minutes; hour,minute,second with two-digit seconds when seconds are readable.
8,59,22
